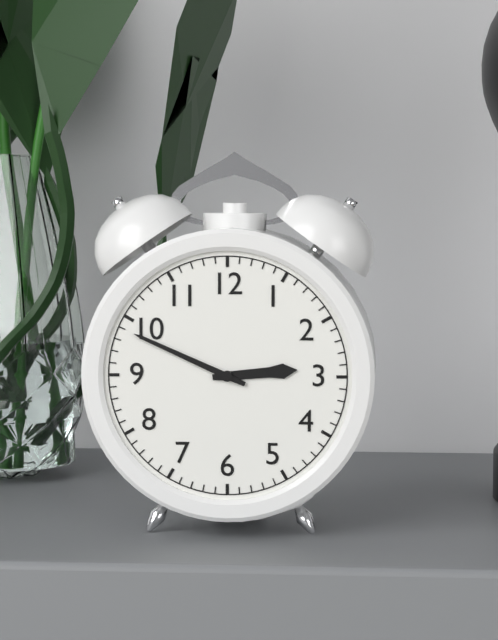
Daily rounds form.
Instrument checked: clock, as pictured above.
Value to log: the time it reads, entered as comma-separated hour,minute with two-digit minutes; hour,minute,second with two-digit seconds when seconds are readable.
2,49
